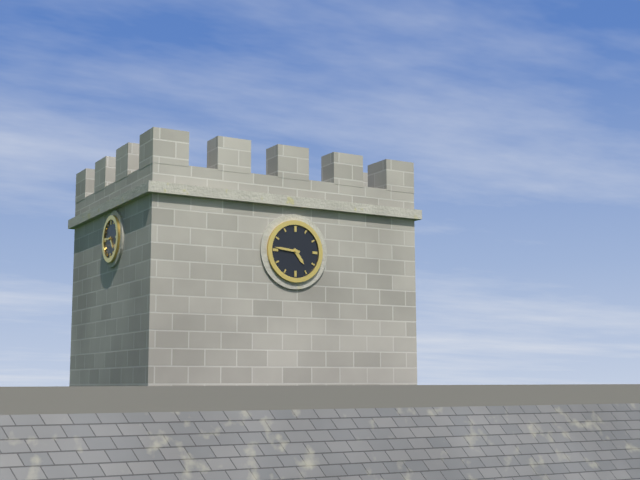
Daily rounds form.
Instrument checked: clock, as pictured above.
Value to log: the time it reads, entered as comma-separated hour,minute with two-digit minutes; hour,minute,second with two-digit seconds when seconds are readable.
4,46
